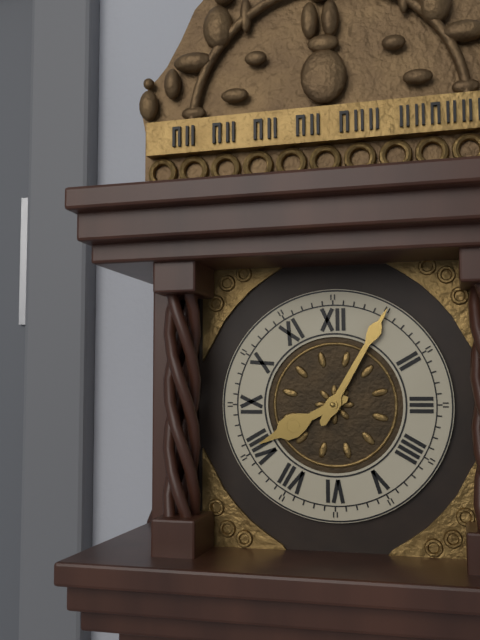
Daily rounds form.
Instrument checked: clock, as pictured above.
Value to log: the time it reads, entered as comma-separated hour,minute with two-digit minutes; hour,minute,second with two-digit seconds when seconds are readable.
8,05
